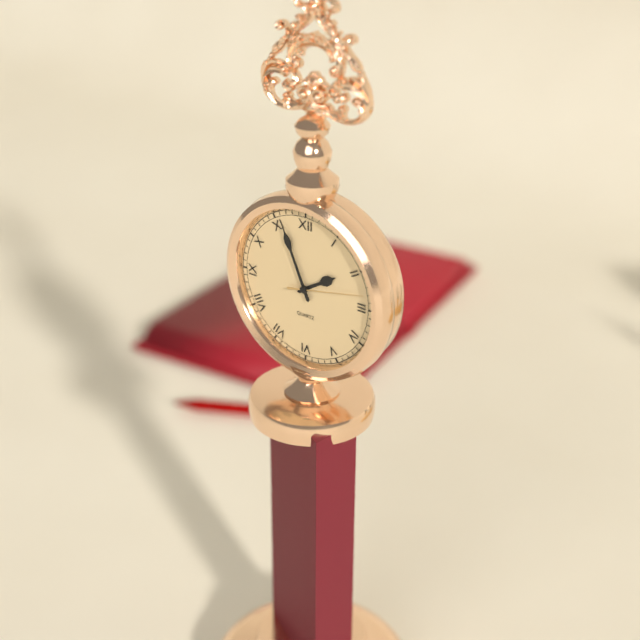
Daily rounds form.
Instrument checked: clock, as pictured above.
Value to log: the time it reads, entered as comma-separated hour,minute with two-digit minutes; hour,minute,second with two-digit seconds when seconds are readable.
1,56,13
